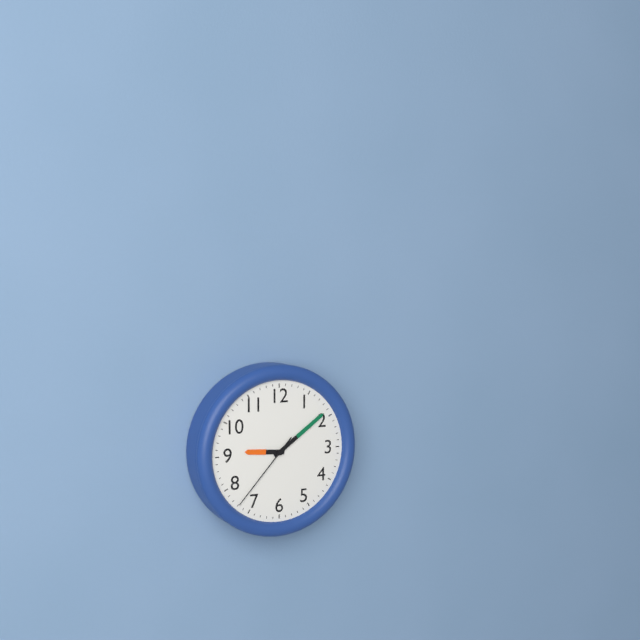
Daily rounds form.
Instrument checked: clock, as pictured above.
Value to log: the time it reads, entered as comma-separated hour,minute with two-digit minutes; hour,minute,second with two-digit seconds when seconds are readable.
9,09,37
